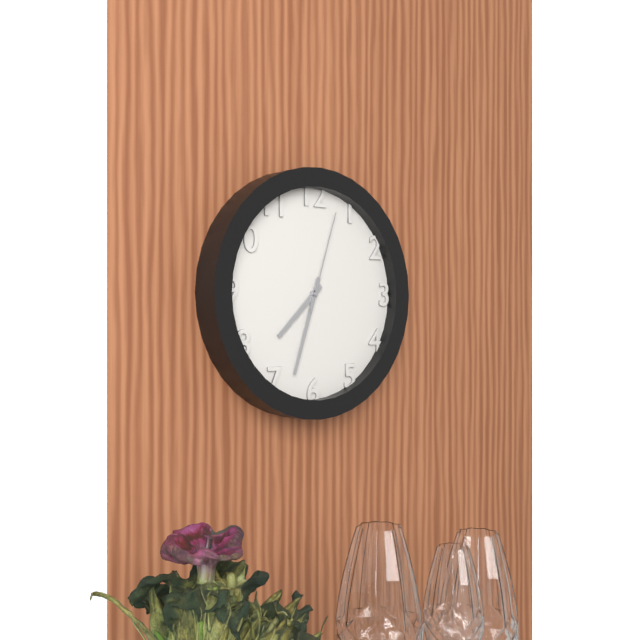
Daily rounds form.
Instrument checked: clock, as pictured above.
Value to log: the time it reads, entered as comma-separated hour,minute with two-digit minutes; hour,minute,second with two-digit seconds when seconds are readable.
7,33,03
